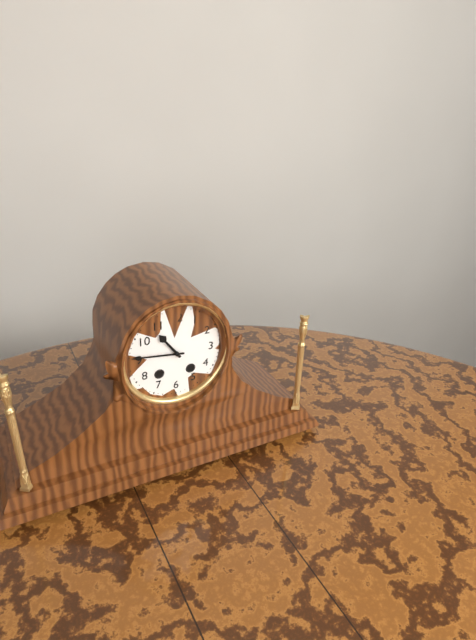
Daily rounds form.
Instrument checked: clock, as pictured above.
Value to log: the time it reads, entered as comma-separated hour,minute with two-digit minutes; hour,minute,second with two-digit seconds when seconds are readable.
10,46
